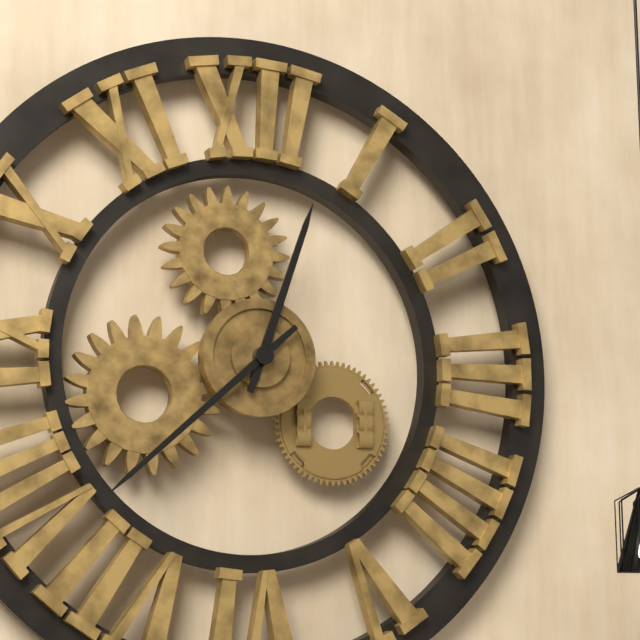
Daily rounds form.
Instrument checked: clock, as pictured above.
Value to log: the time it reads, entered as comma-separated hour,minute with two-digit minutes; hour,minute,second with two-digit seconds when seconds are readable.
12,38
